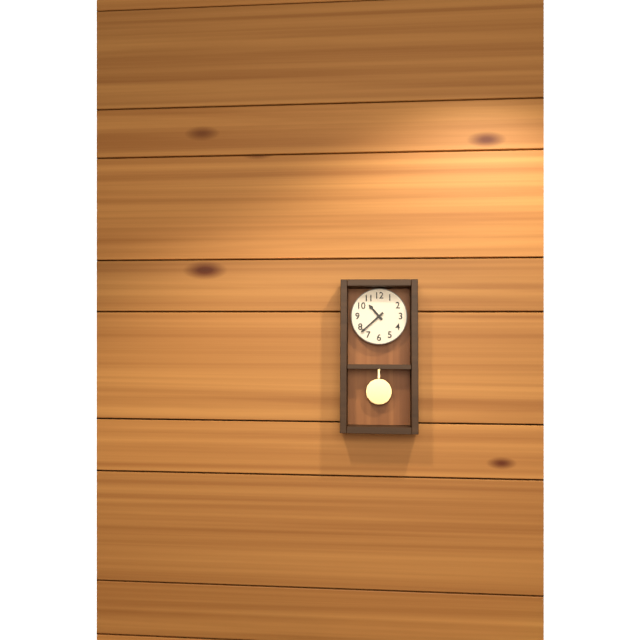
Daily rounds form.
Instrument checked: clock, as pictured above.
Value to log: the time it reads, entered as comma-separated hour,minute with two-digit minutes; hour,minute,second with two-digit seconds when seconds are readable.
10,38
